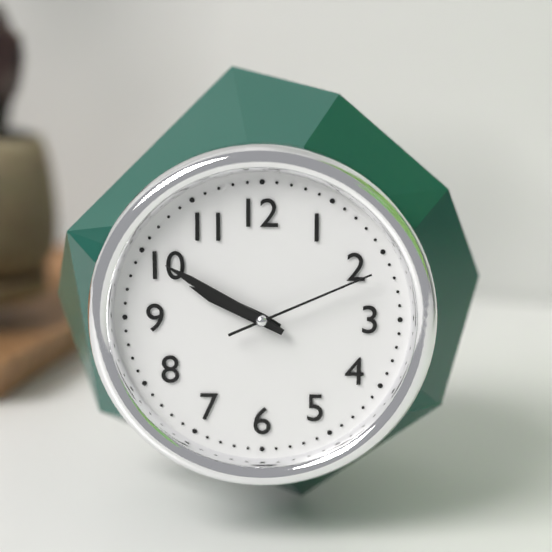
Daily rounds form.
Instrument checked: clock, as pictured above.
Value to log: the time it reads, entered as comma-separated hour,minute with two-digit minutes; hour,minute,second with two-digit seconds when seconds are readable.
9,50,11
